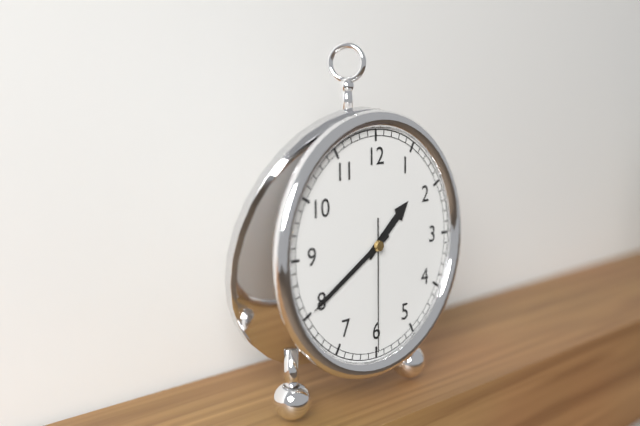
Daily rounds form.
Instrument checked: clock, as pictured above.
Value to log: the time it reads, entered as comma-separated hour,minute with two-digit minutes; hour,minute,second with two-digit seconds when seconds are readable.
1,40,30
